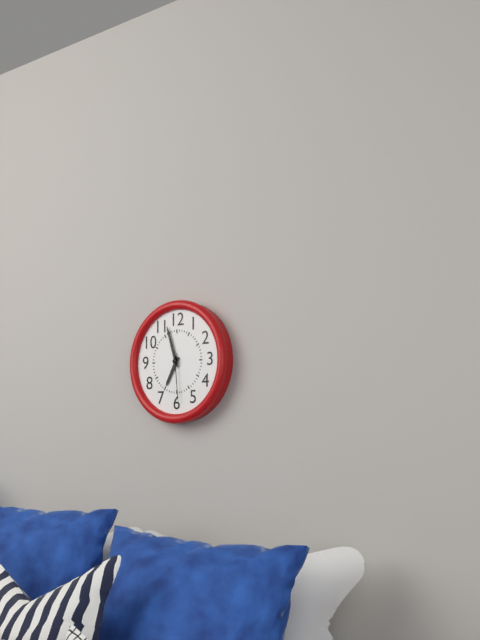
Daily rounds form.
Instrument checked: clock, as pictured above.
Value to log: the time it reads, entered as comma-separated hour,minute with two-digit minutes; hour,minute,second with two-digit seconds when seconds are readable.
6,57,29
